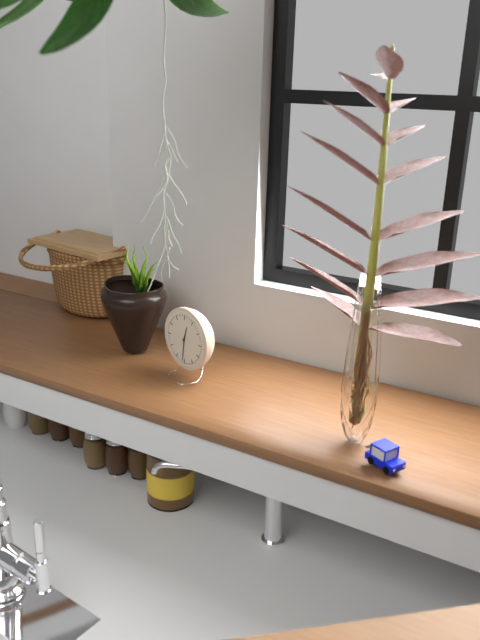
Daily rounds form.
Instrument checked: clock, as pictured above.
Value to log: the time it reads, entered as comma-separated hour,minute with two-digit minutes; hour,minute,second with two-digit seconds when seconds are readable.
12,31
